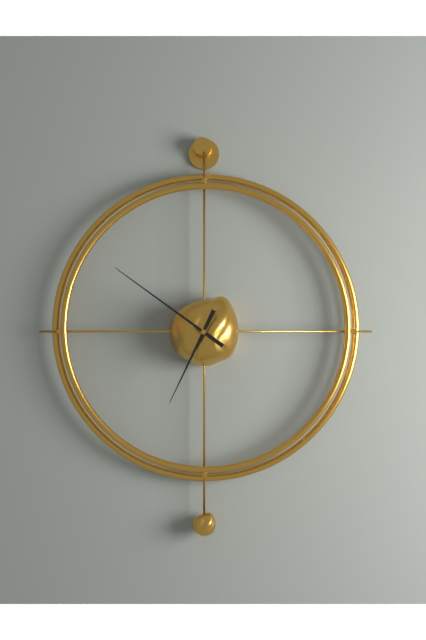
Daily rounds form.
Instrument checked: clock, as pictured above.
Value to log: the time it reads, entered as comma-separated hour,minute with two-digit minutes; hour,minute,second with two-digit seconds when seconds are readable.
6,51
